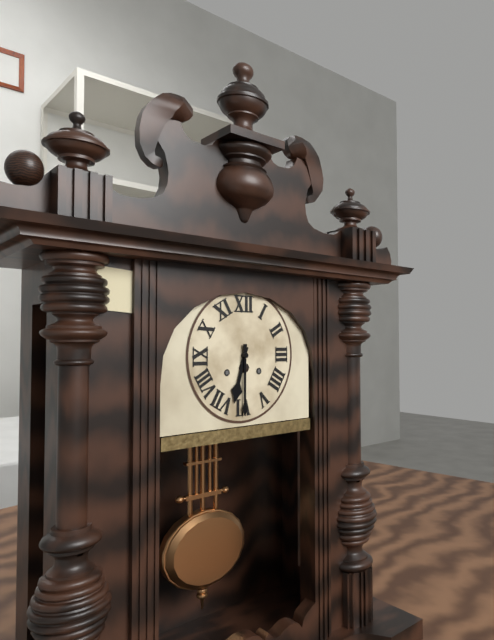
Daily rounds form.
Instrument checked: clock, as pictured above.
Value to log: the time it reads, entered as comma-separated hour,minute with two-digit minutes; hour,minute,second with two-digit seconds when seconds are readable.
6,30
